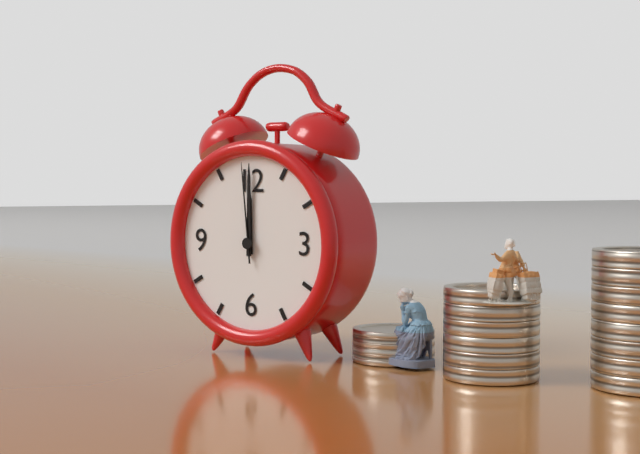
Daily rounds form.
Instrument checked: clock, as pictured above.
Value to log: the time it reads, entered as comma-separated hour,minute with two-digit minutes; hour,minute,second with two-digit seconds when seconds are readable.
12,00,59
